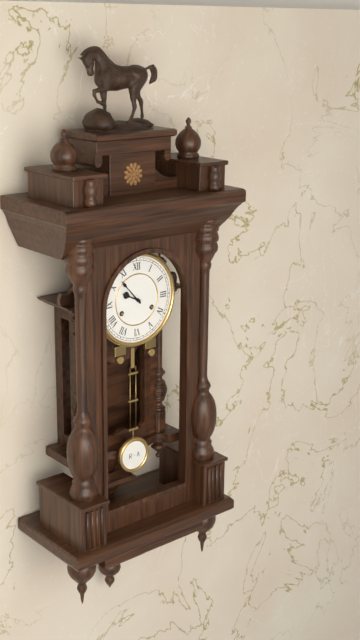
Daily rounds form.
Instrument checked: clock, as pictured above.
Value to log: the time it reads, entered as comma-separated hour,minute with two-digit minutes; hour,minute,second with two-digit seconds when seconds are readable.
9,53
